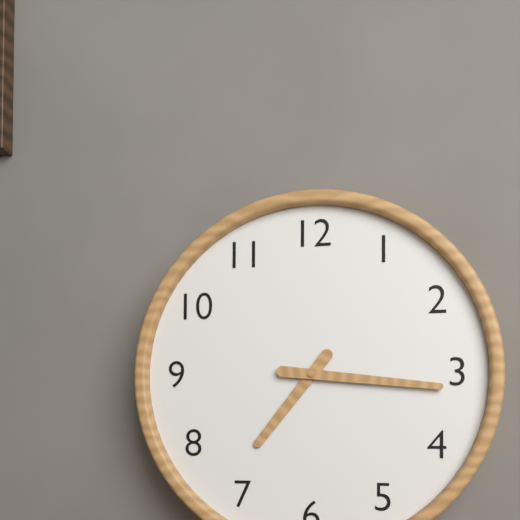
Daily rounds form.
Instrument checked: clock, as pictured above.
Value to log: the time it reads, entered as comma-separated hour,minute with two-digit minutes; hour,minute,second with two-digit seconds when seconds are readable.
7,16
